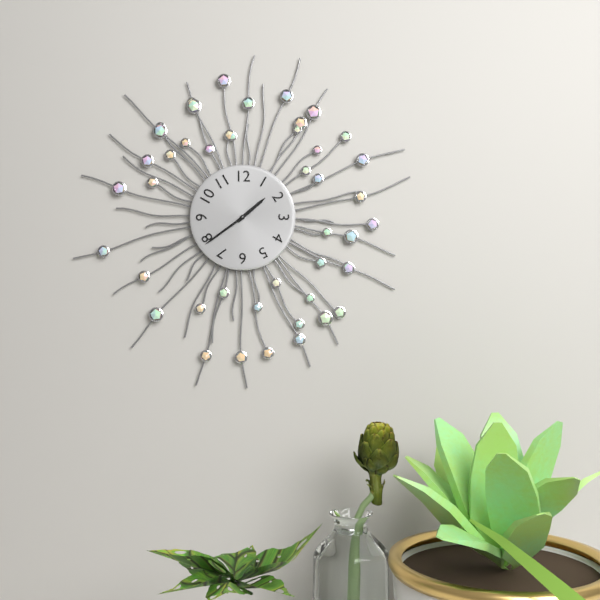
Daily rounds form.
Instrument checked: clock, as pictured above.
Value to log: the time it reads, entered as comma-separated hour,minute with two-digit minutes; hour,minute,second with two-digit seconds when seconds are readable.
1,39
